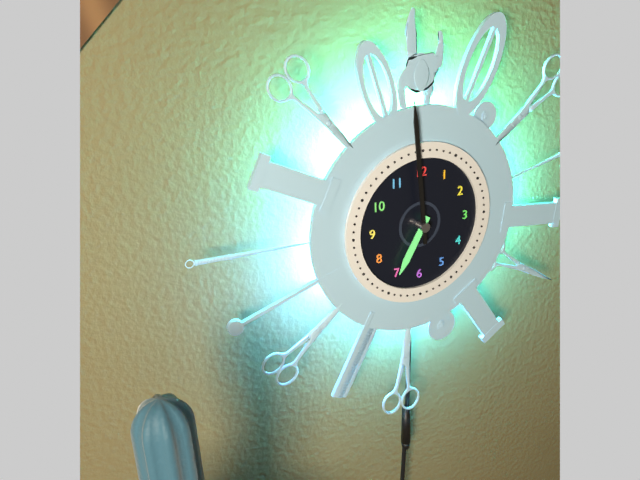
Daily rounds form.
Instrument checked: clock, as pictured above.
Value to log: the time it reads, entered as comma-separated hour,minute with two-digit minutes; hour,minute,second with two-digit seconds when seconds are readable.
6,59
